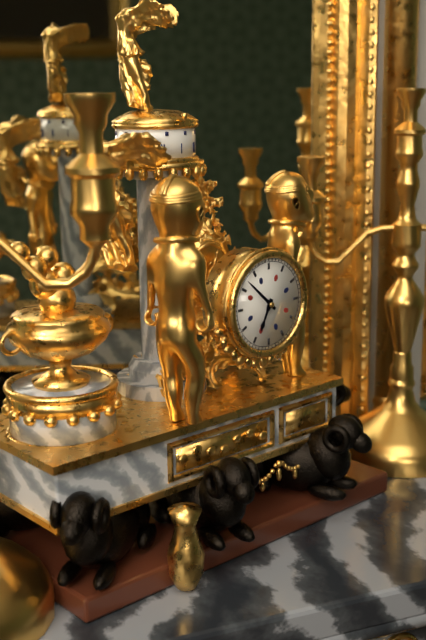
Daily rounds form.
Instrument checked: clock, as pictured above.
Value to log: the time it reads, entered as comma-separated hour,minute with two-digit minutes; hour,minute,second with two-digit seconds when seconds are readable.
6,52
